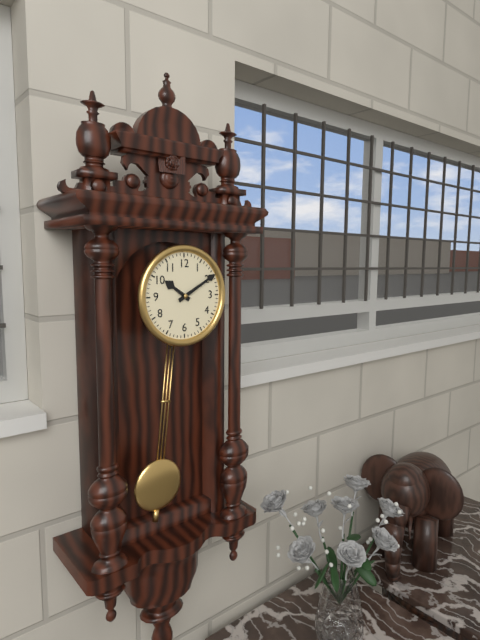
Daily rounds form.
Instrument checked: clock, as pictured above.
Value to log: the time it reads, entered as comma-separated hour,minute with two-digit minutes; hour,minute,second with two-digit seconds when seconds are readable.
10,10
